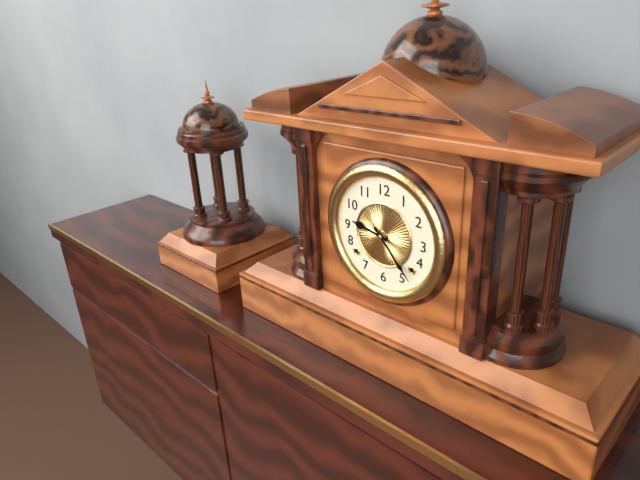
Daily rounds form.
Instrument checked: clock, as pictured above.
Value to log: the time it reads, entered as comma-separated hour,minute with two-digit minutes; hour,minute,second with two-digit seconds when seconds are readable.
9,23
